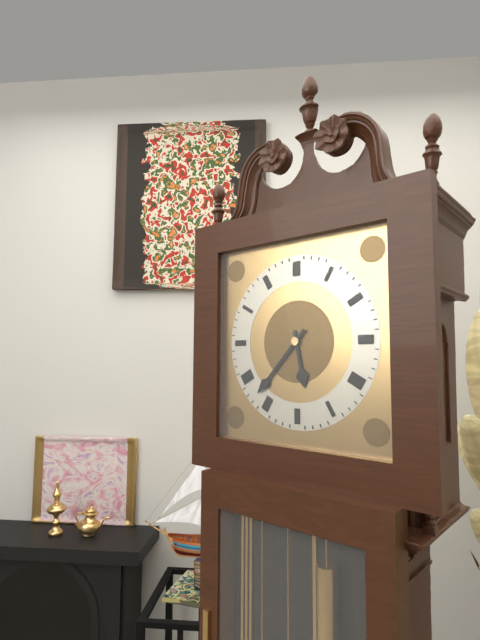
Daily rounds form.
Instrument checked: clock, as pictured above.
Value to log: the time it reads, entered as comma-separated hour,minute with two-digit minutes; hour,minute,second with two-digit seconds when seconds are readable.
5,37
